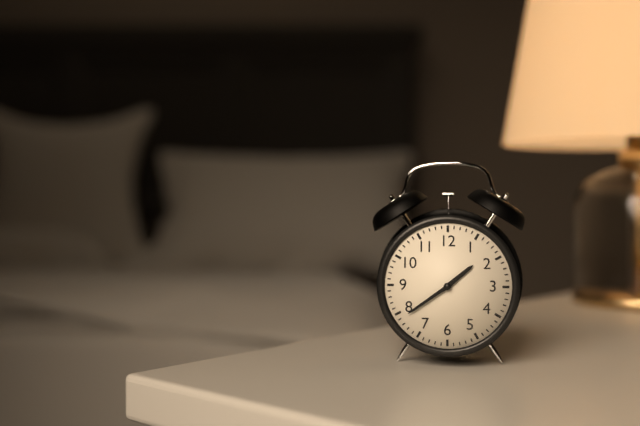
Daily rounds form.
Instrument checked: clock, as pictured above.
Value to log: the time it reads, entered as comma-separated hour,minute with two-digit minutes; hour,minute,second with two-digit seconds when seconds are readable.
1,39
